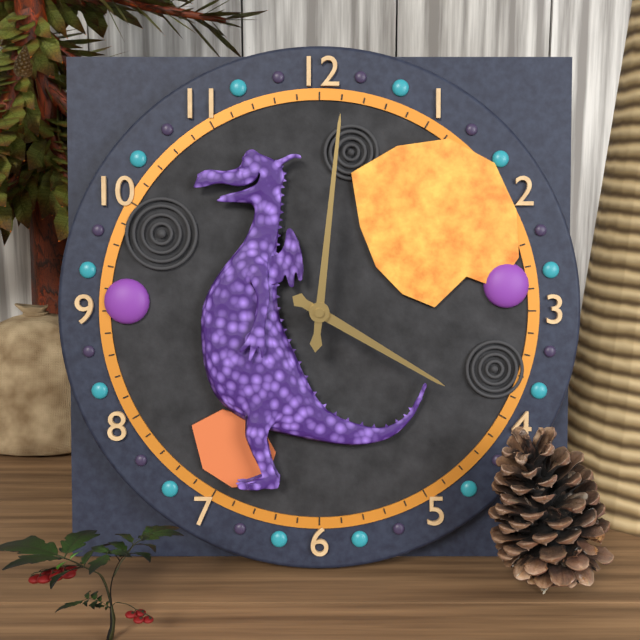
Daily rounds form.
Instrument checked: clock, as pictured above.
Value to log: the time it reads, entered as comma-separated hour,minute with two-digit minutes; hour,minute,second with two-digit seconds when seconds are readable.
4,01
